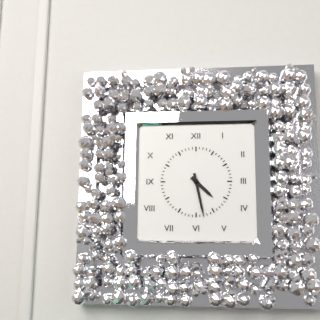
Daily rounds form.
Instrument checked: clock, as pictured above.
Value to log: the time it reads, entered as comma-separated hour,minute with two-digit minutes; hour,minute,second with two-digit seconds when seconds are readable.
4,28
